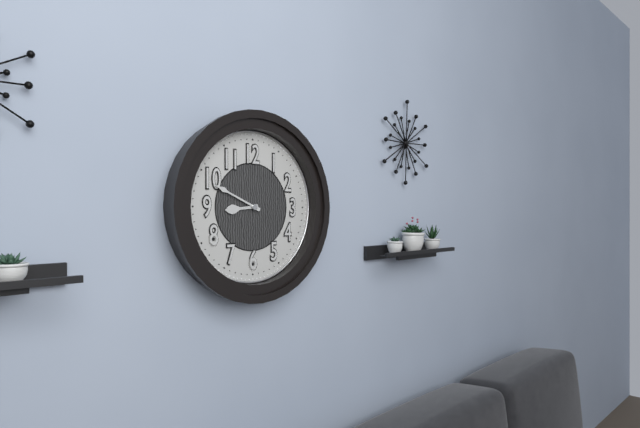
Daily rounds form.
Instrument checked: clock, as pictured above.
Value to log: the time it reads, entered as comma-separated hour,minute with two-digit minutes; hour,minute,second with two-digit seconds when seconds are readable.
8,49
